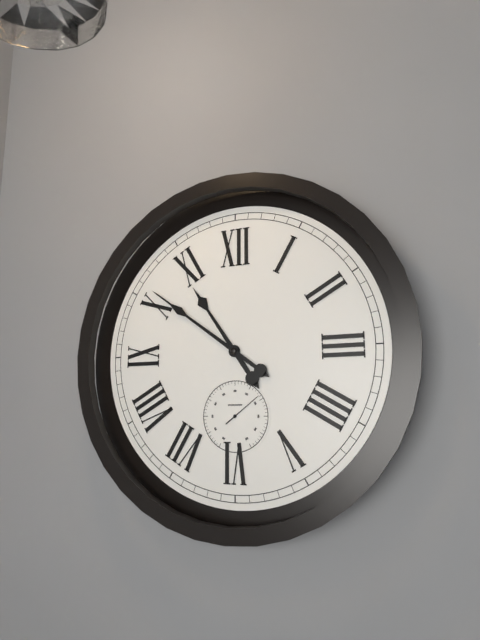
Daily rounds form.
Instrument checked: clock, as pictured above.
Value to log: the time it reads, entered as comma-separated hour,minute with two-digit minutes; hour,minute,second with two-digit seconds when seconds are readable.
10,51
